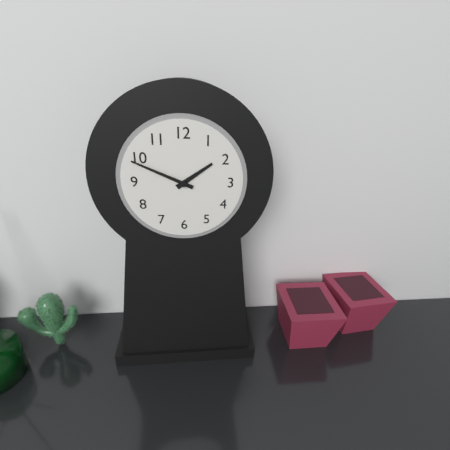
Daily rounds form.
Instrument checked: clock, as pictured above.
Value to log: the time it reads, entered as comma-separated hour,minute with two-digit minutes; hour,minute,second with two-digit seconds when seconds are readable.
1,49
